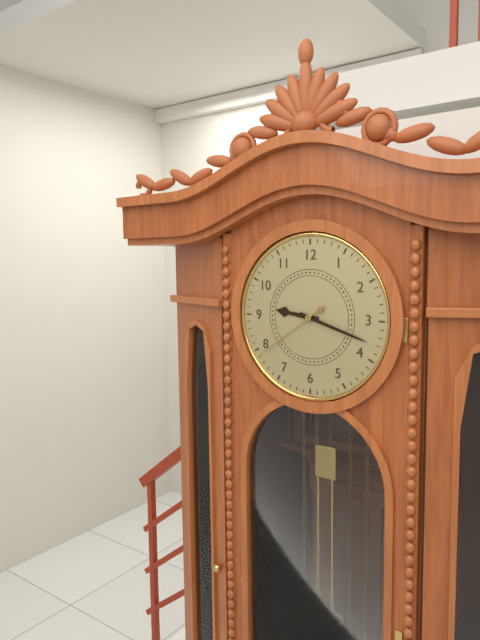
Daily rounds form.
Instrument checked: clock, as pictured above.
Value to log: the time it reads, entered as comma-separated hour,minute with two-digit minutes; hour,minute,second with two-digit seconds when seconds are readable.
9,18,39
